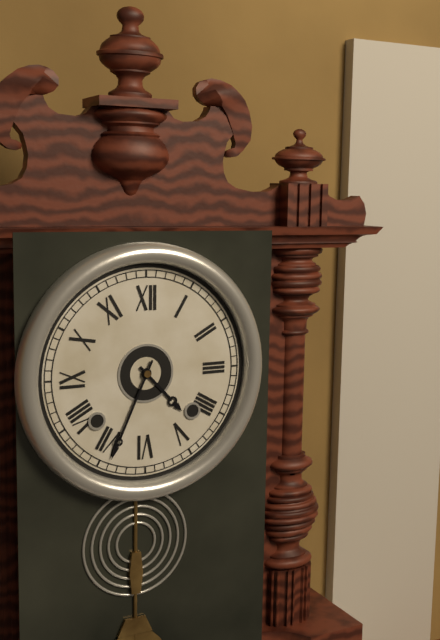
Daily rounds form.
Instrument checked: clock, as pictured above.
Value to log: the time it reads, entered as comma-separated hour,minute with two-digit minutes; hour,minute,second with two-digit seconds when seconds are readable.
4,34
